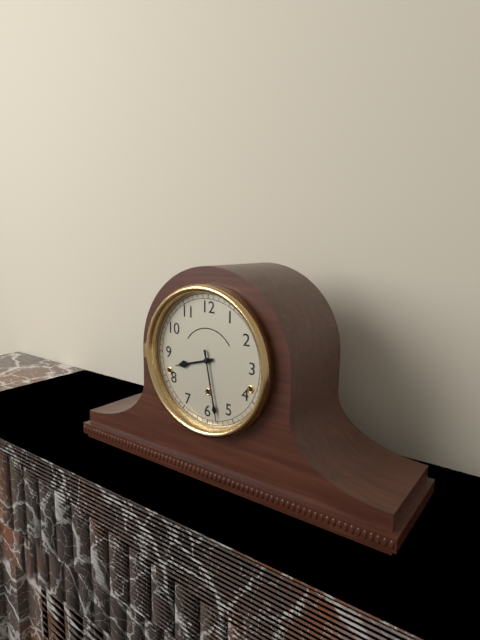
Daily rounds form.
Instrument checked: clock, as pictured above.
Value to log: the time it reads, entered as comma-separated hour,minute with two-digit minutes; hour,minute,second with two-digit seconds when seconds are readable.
8,28
